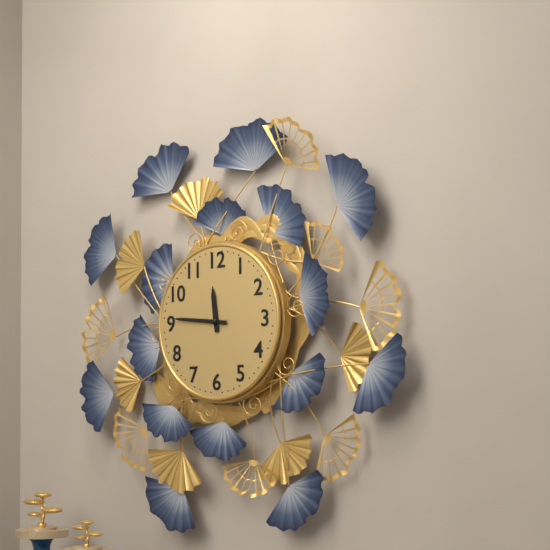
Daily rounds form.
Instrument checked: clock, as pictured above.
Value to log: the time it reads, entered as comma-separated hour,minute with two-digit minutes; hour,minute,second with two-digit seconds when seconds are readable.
11,46
